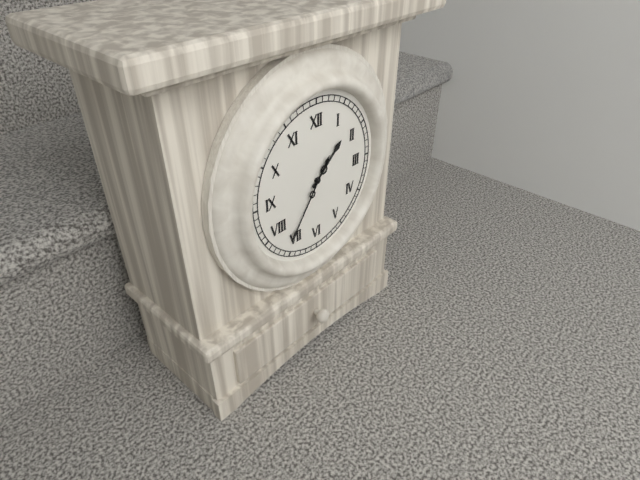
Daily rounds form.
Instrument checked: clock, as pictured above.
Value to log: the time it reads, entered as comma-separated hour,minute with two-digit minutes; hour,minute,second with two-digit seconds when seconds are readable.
1,36
